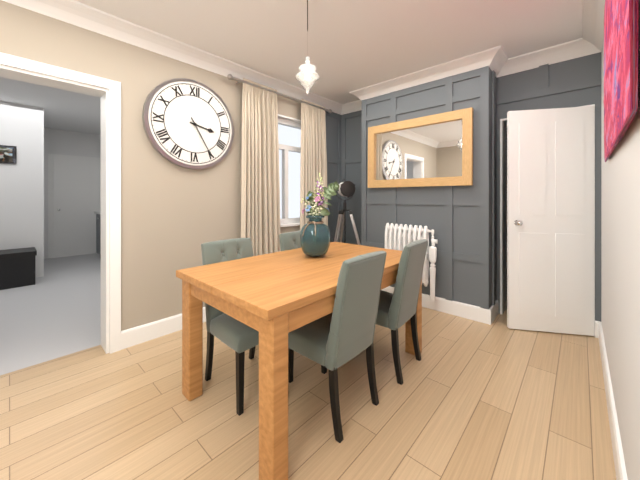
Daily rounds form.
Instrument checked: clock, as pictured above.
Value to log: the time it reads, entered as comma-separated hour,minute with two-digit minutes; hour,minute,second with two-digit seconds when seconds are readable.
3,25
